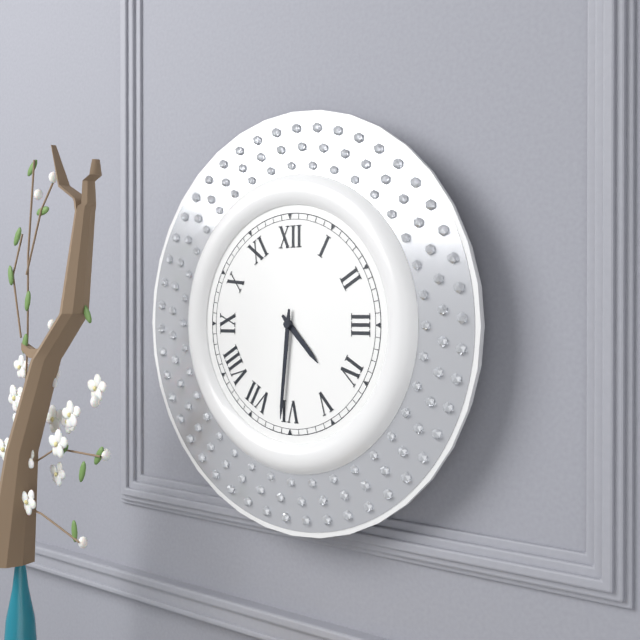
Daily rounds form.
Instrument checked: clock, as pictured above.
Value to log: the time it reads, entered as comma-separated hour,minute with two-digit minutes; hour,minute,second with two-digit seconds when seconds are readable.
4,31
